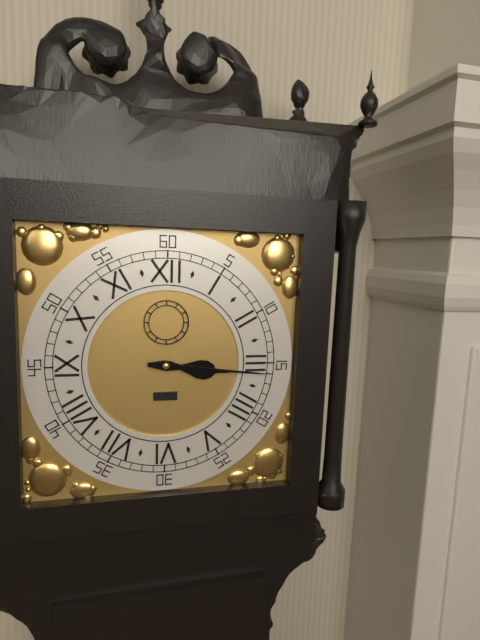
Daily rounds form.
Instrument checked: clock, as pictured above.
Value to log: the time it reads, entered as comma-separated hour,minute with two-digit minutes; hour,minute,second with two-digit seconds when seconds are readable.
3,16
